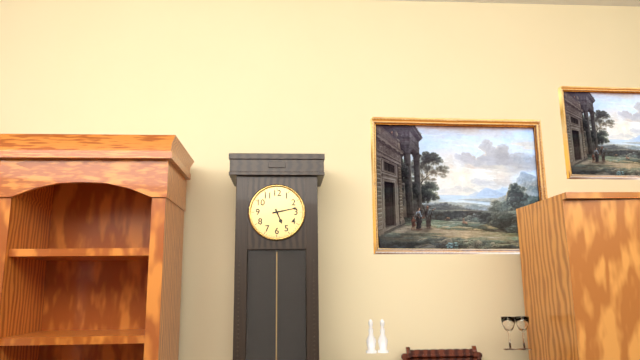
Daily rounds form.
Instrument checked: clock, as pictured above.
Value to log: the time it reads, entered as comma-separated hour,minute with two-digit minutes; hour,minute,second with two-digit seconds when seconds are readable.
5,13
